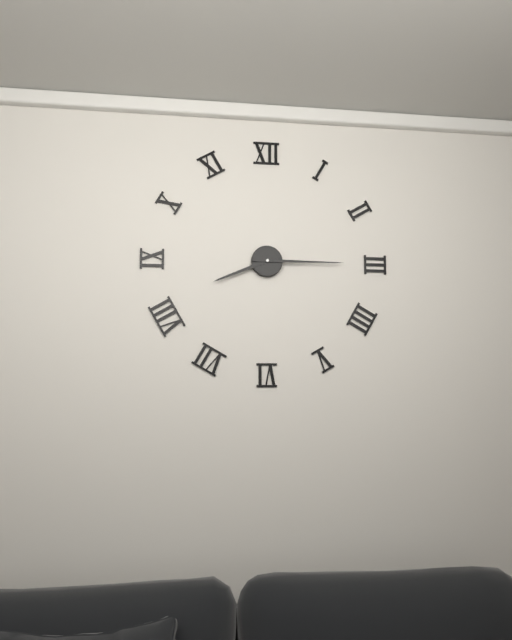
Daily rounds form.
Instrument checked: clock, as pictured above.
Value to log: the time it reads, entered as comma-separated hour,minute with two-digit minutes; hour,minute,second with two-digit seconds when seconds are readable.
8,15
